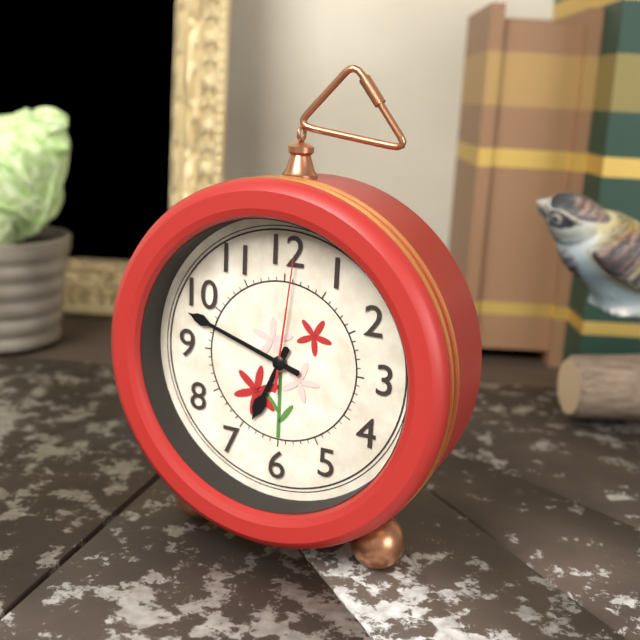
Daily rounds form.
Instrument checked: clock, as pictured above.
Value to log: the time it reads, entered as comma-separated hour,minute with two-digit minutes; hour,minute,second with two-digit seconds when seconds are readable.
6,48,01
